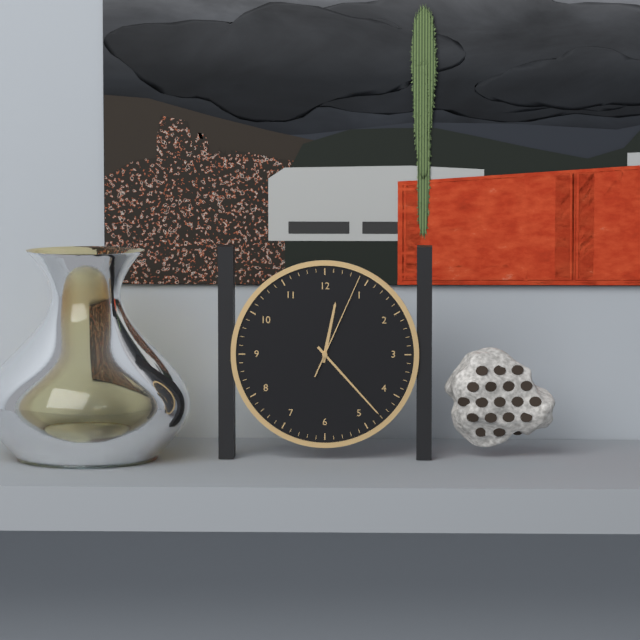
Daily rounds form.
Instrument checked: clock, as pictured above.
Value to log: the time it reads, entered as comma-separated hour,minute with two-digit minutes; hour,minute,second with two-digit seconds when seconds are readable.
12,23,04
